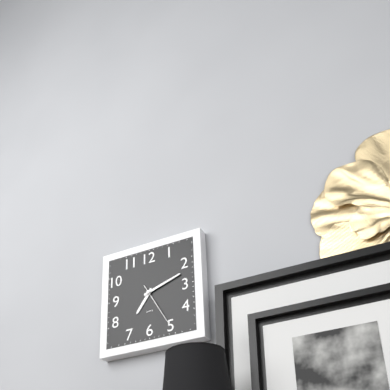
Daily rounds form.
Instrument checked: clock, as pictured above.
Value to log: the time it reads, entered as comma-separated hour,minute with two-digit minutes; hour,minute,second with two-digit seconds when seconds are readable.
7,12
